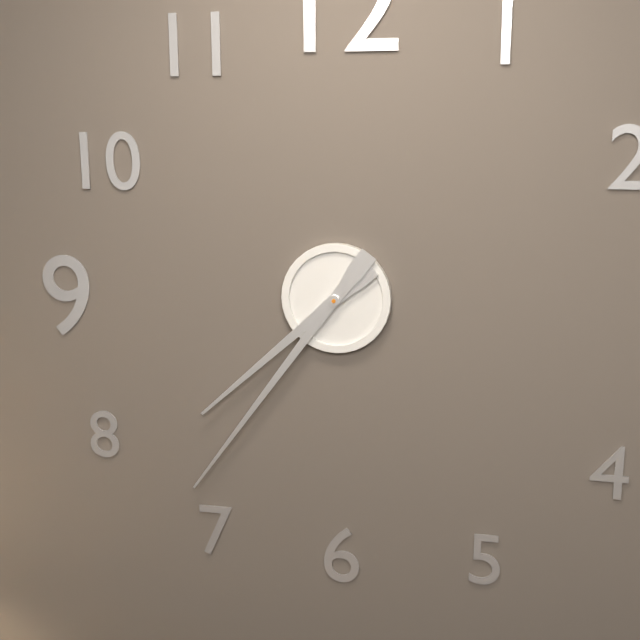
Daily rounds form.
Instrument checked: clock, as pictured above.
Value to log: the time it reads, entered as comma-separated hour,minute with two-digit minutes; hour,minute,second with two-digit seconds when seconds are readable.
7,36
